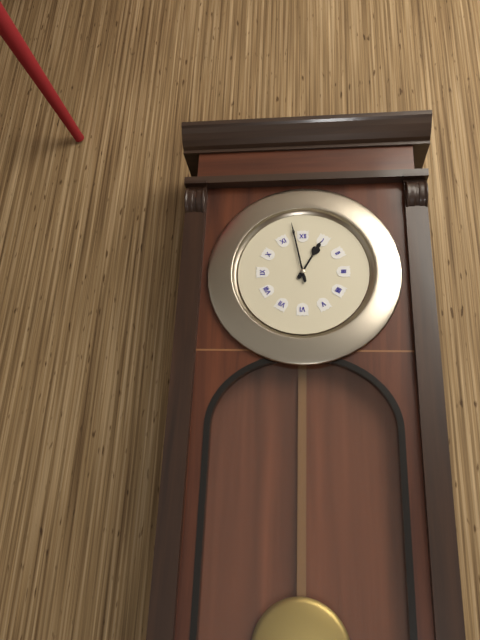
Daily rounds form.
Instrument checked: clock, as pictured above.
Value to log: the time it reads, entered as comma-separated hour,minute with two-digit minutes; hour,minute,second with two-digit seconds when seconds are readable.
12,58
